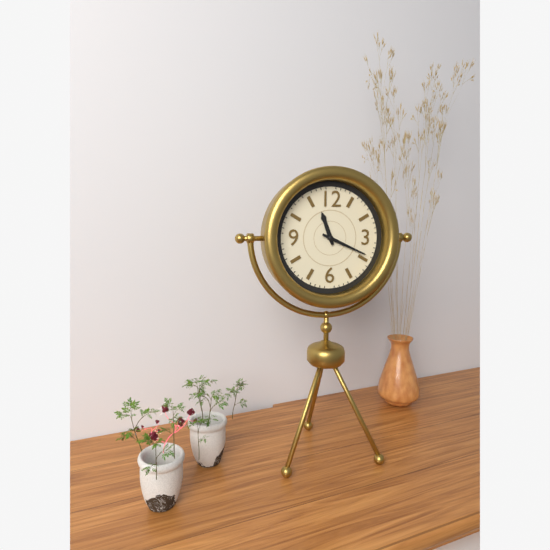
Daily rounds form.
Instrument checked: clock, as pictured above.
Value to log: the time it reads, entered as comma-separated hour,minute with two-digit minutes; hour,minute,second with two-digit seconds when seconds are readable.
11,19
